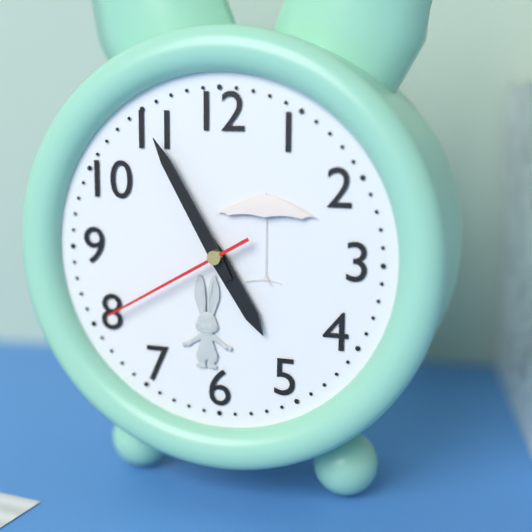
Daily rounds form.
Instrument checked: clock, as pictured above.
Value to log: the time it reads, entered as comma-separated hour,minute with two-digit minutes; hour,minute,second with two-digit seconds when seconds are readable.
4,55,40
